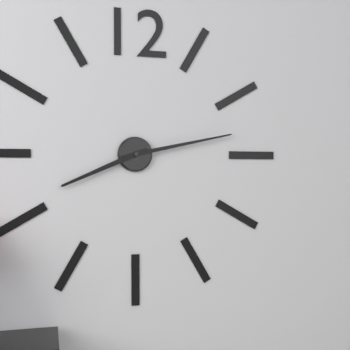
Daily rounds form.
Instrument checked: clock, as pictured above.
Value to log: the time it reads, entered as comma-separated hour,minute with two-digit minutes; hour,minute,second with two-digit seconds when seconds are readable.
8,13
